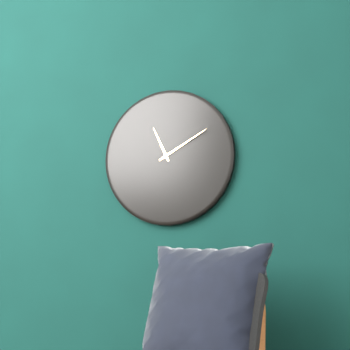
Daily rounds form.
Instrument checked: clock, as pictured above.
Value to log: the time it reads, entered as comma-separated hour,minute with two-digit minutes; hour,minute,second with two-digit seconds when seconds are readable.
11,10
